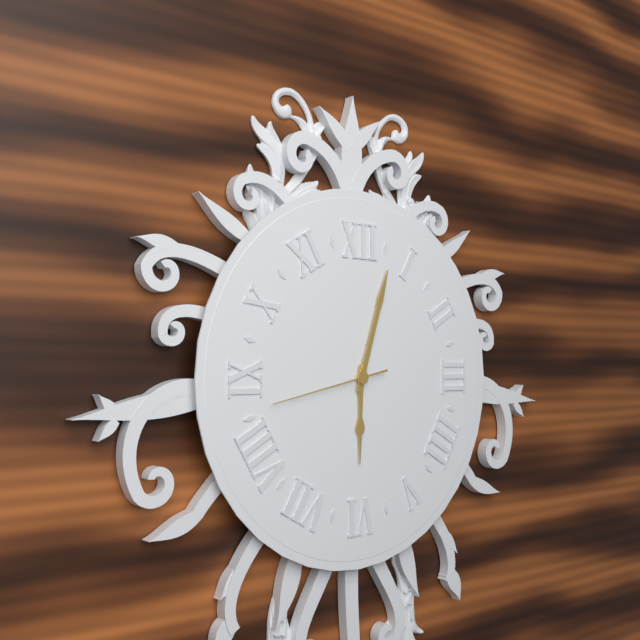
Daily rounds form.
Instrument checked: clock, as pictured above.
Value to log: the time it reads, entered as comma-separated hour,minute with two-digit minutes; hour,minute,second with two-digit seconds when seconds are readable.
6,03,43
